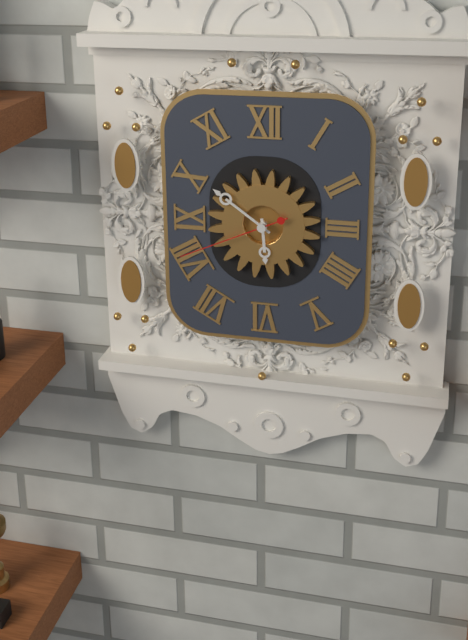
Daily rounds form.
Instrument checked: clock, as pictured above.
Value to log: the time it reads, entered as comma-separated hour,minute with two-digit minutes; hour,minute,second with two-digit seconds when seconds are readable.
5,51,41
